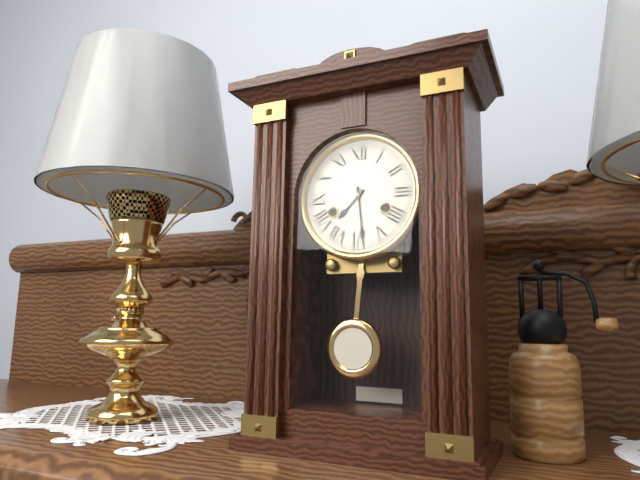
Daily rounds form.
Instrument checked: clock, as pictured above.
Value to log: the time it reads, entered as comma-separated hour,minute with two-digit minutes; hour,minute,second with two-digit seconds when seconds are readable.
7,29
